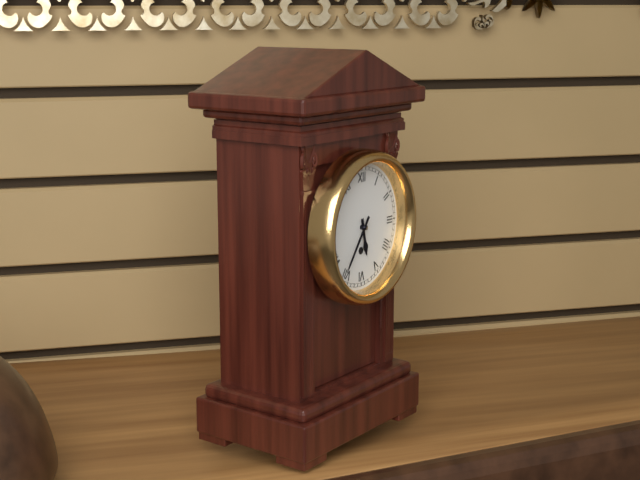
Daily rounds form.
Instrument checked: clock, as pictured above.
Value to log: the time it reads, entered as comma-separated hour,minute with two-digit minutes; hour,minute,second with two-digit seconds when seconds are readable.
5,36
